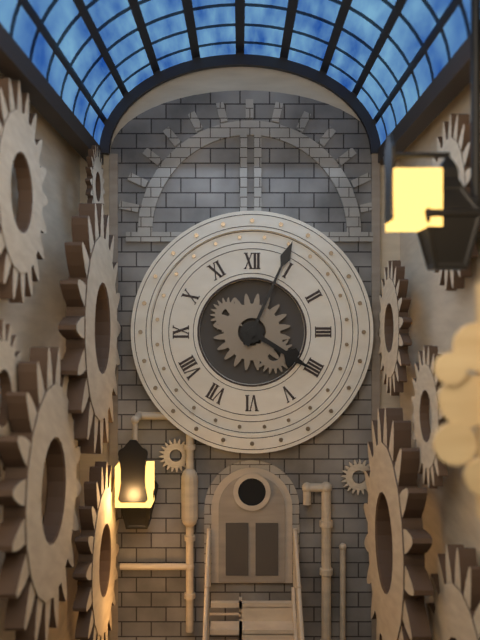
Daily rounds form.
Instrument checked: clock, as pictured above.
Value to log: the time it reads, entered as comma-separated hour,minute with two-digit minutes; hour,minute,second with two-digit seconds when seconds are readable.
4,04
